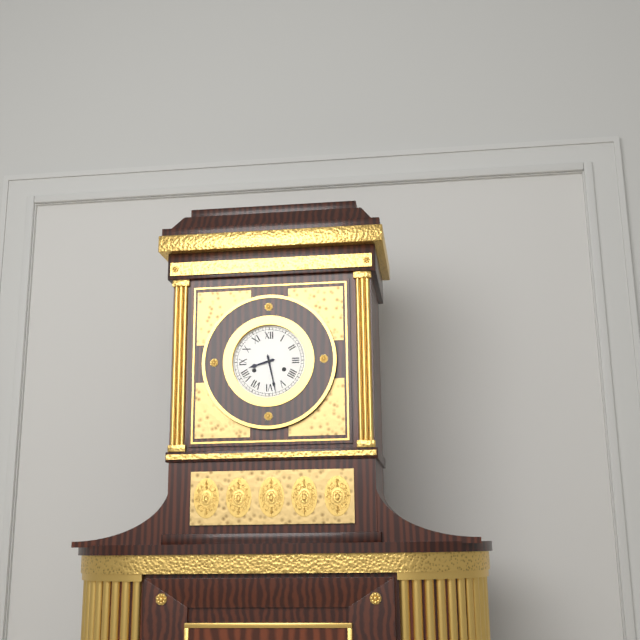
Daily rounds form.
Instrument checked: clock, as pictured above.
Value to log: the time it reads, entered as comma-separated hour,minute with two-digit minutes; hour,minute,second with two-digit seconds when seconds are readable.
8,28
